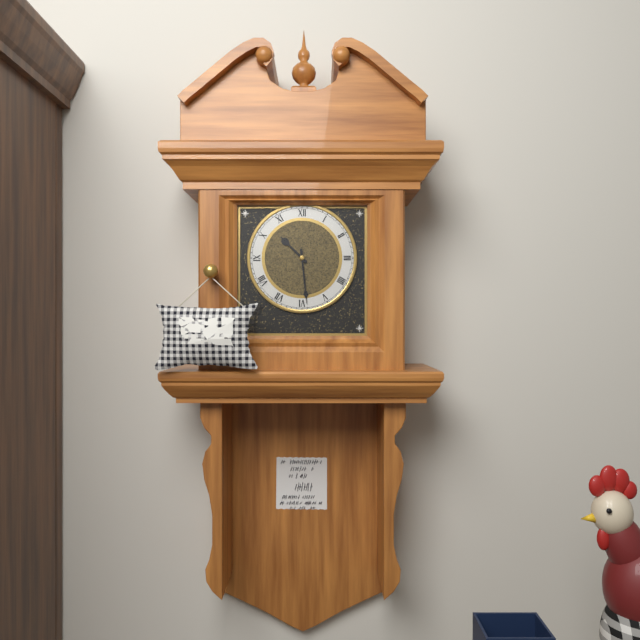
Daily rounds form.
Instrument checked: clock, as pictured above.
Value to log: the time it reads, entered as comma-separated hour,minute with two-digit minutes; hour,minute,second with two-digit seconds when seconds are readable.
10,29
